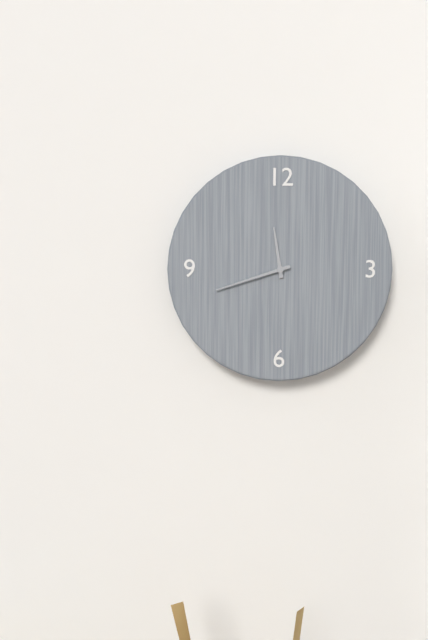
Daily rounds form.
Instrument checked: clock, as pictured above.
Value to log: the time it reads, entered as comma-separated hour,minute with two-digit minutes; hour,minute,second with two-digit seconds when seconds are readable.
11,42
